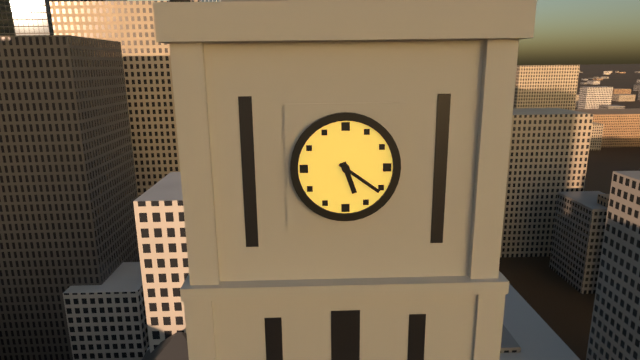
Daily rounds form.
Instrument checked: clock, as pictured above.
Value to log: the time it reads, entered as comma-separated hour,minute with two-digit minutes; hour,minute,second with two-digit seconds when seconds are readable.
5,21
